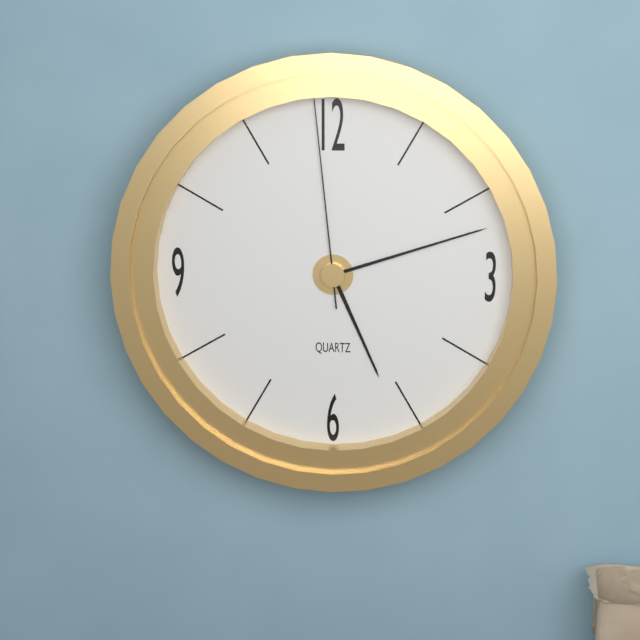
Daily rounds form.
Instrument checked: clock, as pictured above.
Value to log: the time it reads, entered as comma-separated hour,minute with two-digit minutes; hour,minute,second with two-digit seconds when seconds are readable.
5,12,59
